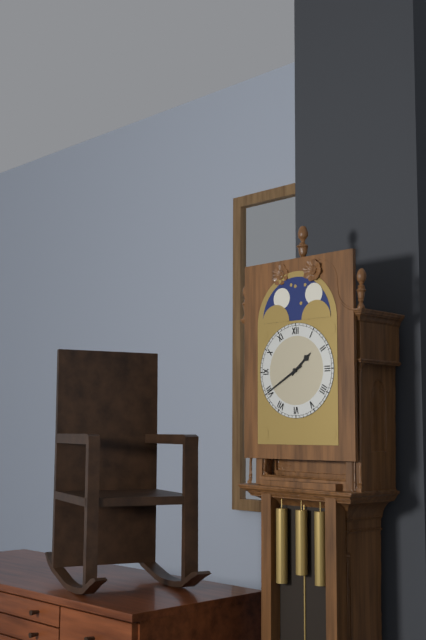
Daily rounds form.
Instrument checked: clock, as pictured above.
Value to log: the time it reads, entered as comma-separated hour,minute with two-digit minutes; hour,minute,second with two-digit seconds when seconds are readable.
1,40
